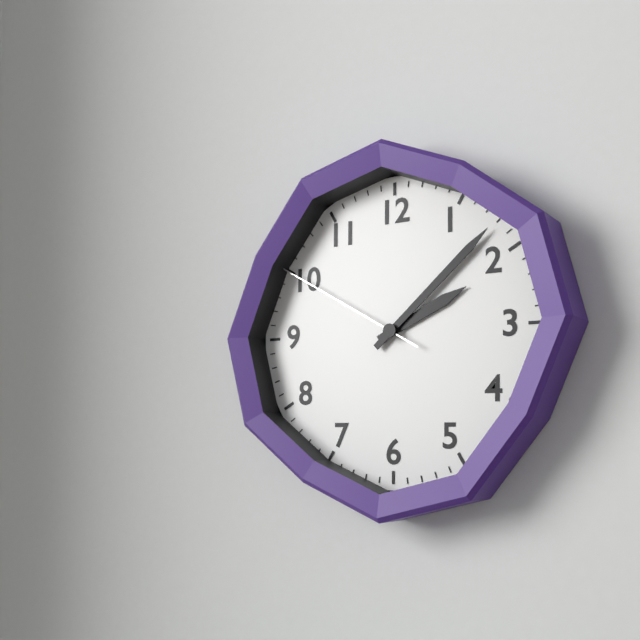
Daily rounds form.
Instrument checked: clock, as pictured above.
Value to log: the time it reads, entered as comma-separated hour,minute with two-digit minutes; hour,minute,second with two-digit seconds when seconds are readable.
2,08,50
